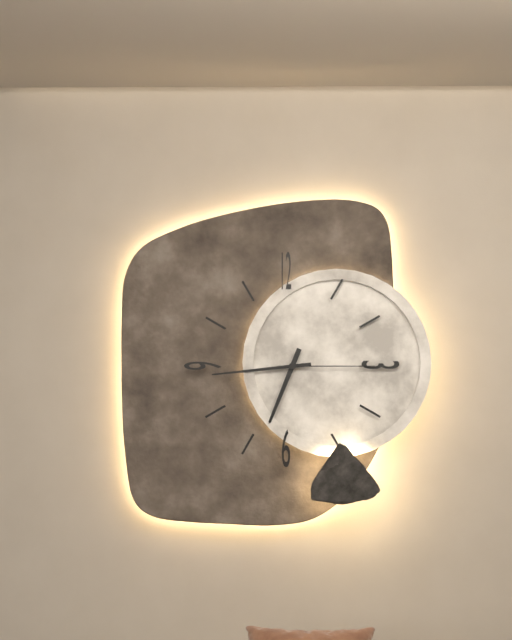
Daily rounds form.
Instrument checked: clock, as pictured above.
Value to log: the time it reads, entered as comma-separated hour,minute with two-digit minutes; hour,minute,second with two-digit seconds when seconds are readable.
6,44,15
